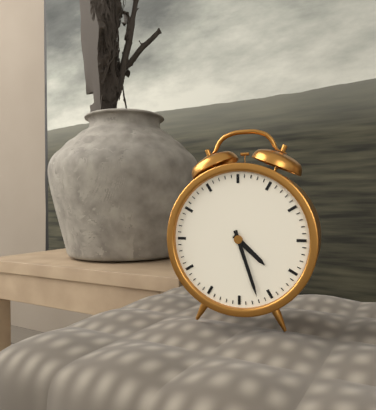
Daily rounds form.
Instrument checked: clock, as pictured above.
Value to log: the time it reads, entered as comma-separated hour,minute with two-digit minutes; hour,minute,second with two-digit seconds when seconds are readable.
4,27
